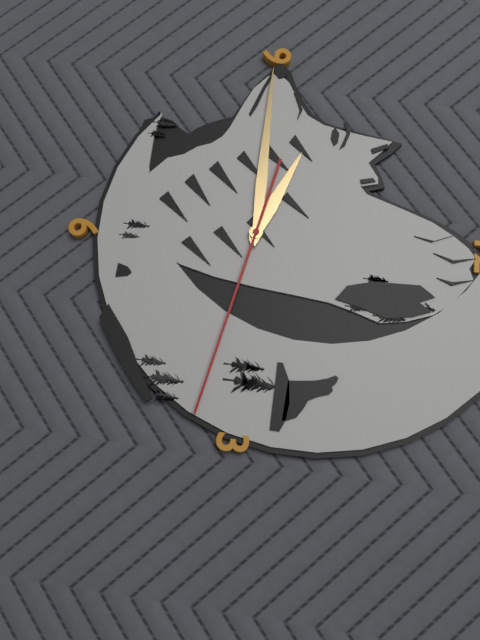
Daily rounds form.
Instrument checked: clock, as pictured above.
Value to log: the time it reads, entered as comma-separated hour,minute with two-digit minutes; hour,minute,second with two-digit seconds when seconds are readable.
9,45,17
